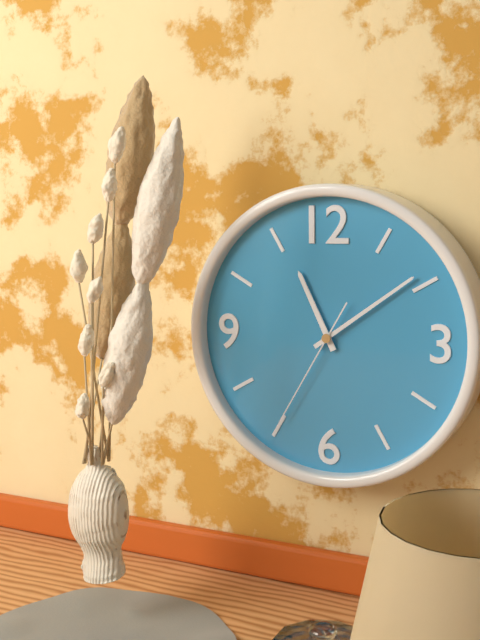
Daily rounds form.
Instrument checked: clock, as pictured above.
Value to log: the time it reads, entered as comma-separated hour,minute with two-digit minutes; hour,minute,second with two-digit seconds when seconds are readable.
11,09,35
